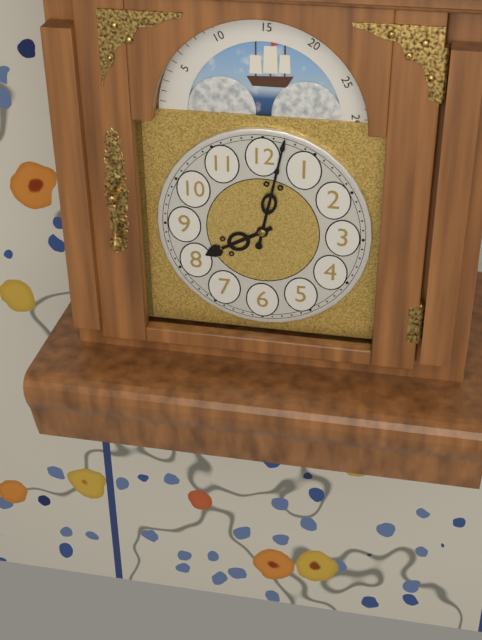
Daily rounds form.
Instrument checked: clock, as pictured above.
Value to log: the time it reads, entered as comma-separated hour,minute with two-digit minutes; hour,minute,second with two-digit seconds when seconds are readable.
8,02
